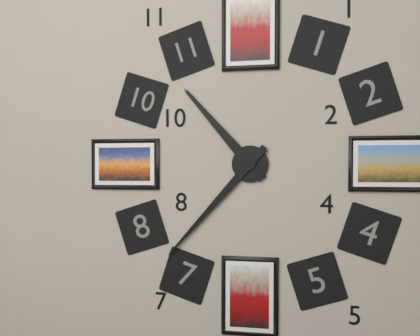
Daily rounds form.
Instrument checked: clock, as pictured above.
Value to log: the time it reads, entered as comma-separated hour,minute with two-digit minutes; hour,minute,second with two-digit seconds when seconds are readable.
10,37
